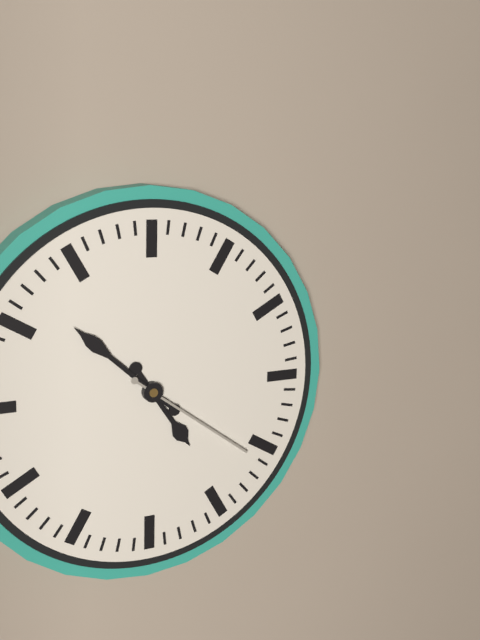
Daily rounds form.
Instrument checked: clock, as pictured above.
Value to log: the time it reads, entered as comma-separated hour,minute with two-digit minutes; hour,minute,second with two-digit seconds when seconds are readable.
4,52,21
